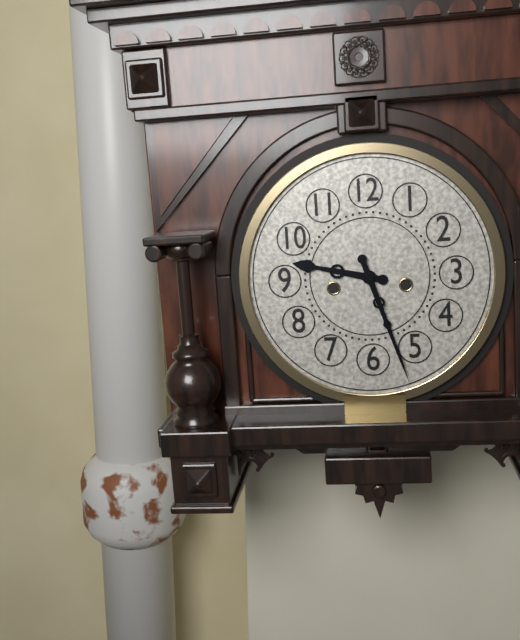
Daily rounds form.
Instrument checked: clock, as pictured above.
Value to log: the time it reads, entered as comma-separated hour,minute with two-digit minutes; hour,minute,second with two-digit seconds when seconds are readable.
9,27
